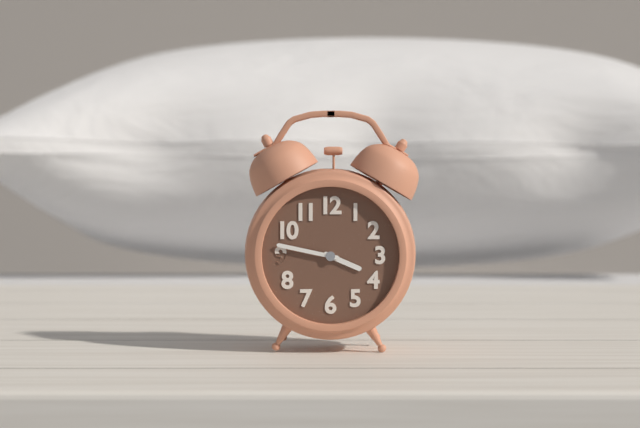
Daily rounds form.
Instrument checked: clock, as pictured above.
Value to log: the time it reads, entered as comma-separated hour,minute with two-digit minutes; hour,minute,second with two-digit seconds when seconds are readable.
3,47
